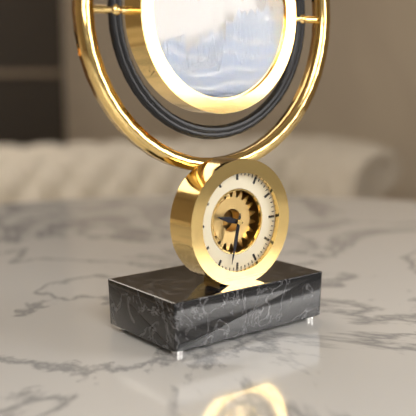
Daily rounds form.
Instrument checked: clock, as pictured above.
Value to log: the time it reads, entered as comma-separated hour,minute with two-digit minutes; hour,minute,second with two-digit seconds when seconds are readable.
9,32
